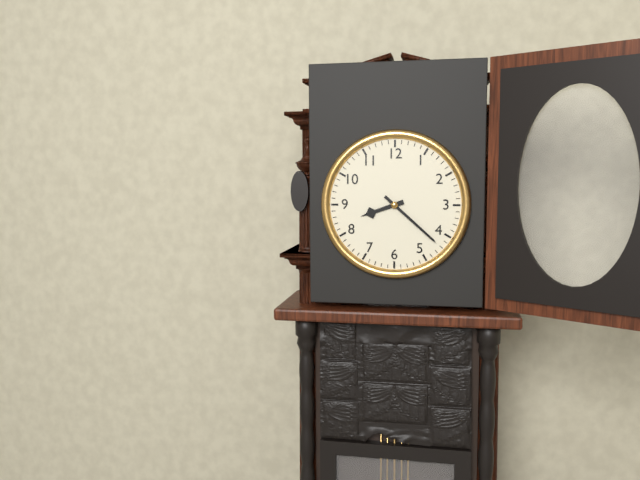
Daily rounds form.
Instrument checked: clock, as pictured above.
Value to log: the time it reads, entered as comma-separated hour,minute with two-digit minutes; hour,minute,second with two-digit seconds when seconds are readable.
8,22
